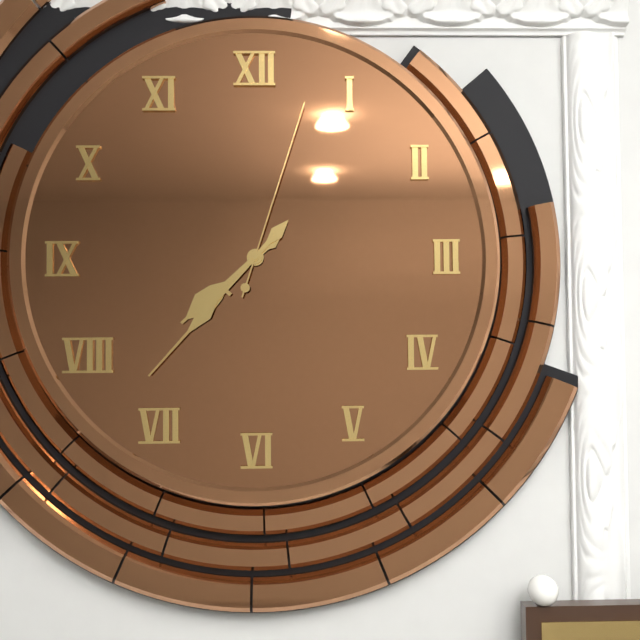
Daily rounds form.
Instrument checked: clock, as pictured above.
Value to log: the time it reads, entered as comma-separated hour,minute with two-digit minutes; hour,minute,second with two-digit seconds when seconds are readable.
7,37,03
